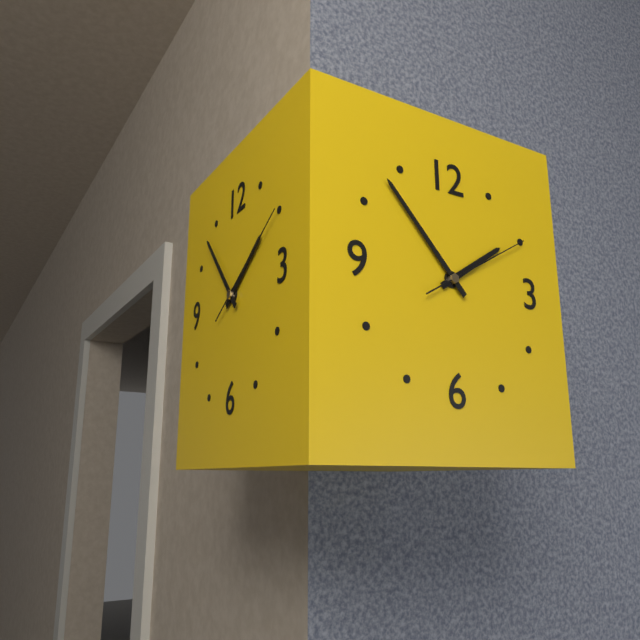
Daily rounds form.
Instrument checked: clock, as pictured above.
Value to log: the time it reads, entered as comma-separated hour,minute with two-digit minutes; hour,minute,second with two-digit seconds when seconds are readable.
1,53,10
